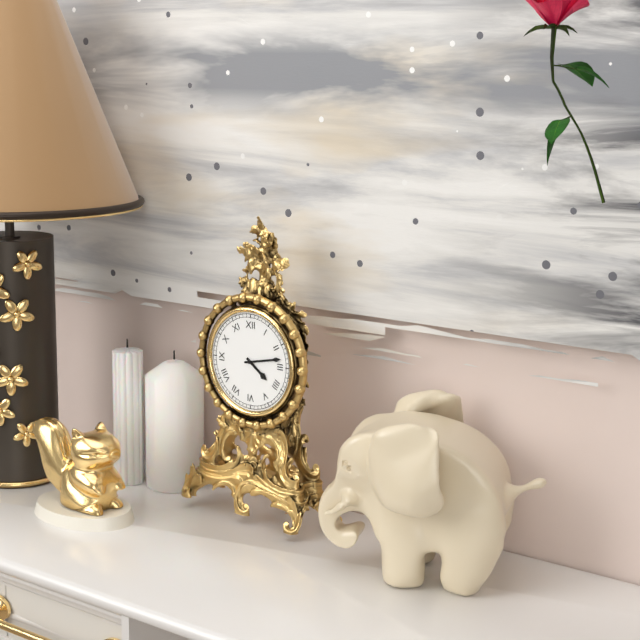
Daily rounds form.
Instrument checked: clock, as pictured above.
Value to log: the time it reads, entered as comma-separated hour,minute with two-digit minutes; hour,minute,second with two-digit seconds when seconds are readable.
4,13
